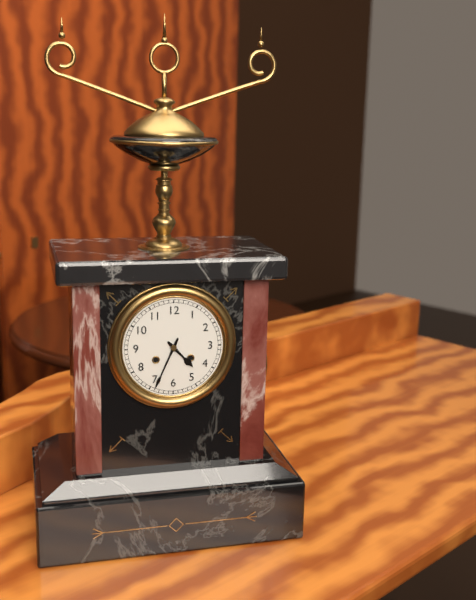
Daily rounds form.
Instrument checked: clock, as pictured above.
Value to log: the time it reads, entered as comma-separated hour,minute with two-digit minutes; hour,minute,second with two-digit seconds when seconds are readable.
4,34
